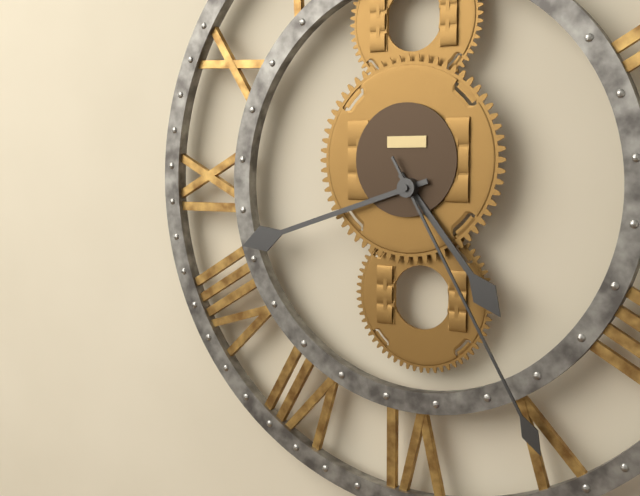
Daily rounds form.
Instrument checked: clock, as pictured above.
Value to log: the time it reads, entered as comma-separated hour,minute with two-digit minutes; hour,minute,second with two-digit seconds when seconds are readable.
4,42,25
